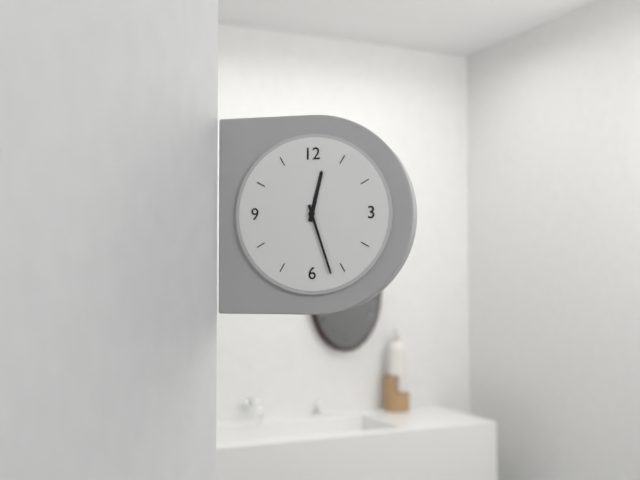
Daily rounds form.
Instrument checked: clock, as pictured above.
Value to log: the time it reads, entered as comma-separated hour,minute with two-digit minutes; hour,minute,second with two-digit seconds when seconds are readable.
12,27
